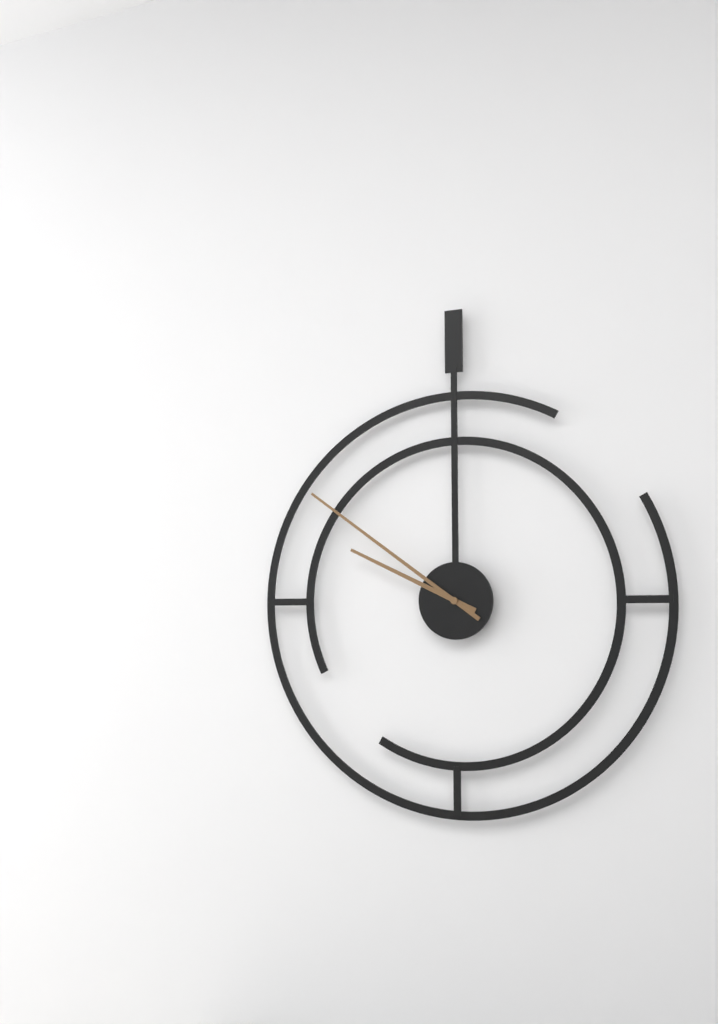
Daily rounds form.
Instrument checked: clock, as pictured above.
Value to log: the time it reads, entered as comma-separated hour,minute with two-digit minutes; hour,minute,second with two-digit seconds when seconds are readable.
9,51
